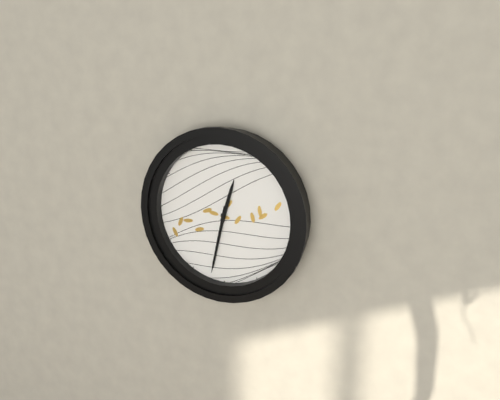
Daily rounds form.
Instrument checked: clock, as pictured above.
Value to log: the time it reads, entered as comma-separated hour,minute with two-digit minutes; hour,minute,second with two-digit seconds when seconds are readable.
12,32
